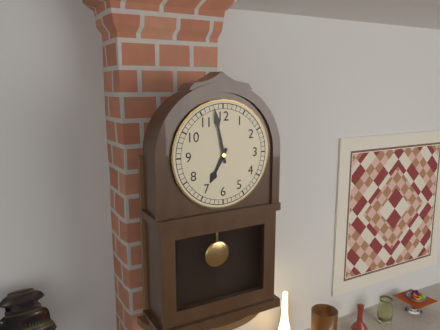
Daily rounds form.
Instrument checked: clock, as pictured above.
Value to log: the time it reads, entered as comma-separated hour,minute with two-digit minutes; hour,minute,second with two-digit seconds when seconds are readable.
6,58
